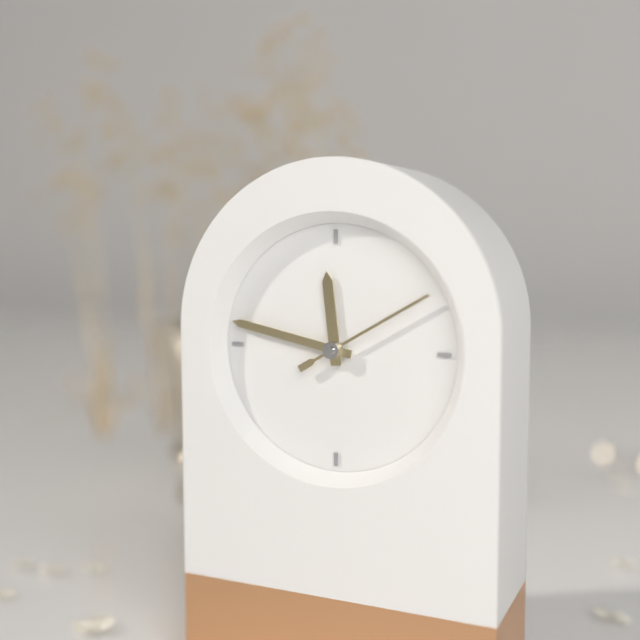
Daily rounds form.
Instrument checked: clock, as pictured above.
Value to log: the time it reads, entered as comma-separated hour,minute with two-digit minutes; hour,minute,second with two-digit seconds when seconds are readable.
11,47,10
